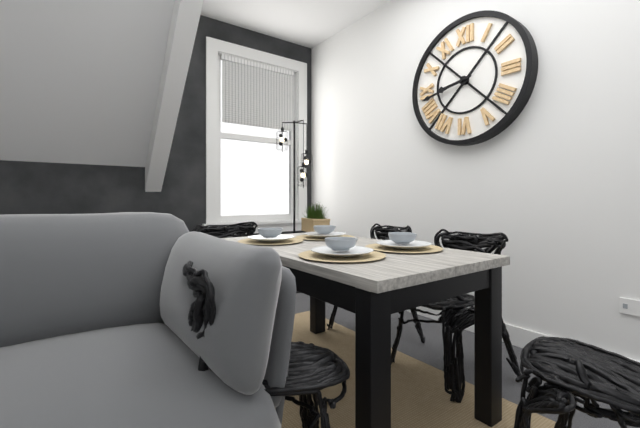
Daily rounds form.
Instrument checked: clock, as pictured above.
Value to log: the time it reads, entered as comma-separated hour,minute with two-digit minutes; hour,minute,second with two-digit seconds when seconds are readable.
8,43
